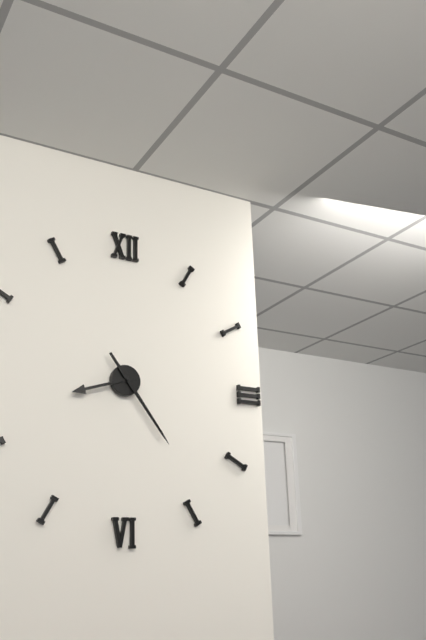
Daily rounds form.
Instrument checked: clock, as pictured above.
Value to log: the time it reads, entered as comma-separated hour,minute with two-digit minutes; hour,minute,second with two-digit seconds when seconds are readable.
8,24
